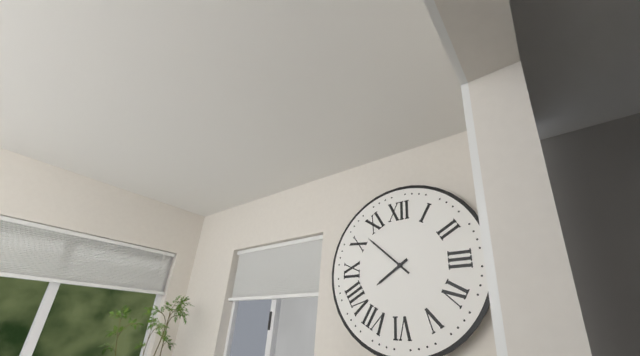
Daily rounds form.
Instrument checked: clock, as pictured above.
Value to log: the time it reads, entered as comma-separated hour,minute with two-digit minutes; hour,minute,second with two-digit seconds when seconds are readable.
7,52
